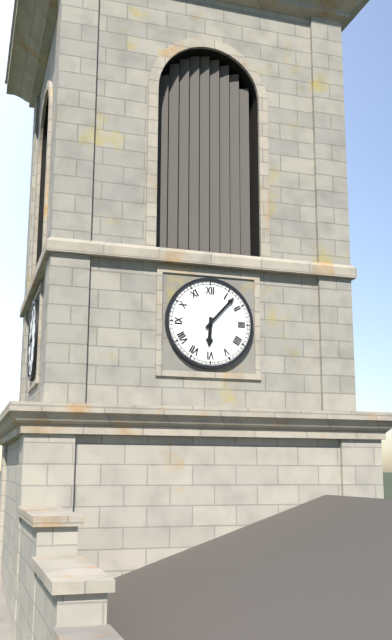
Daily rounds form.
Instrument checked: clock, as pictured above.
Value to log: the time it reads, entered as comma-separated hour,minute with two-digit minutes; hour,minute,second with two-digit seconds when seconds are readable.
6,07
